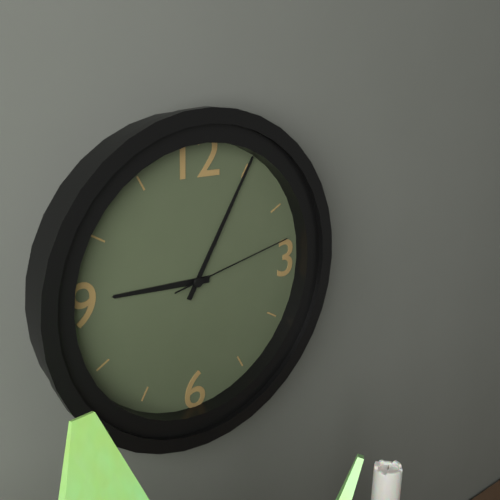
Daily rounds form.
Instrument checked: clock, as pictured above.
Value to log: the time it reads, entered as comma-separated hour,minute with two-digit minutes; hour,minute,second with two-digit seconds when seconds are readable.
9,05,13
